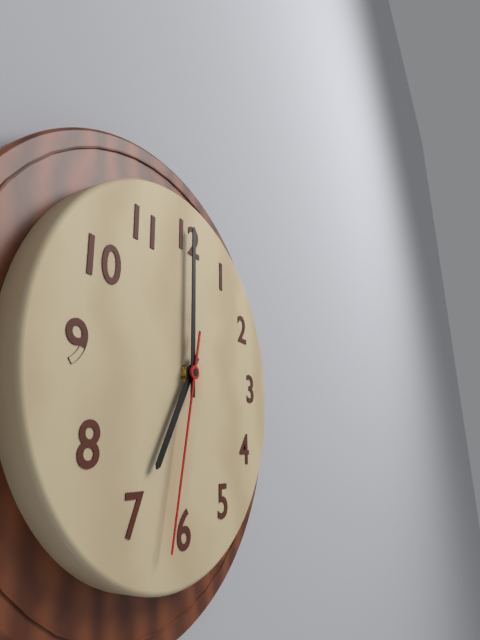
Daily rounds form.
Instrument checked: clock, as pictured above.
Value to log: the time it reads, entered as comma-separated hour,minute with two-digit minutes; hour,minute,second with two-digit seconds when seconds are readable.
7,00,32
